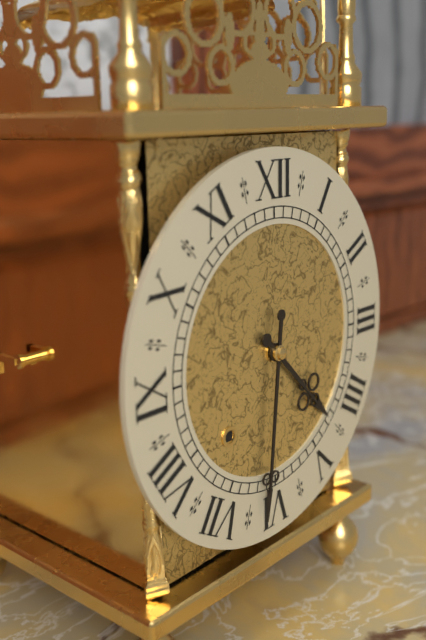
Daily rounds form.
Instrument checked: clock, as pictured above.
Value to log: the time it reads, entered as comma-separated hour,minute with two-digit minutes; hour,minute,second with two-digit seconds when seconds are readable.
4,31
